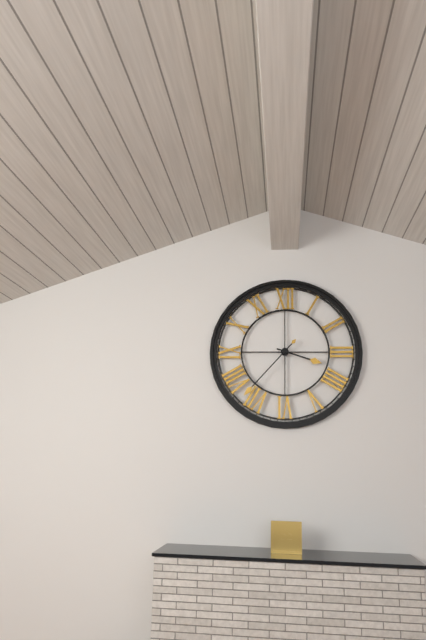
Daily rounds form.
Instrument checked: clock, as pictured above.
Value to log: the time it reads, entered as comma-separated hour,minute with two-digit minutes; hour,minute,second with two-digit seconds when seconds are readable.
3,37
